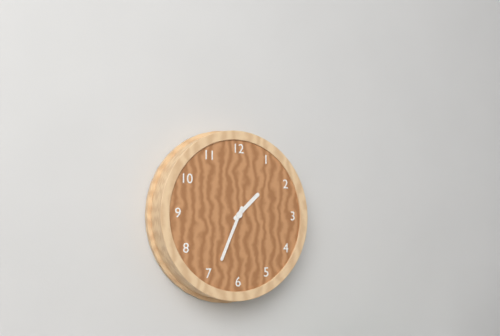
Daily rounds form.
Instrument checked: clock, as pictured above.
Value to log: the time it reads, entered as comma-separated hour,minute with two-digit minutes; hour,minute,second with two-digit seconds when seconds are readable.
1,34
